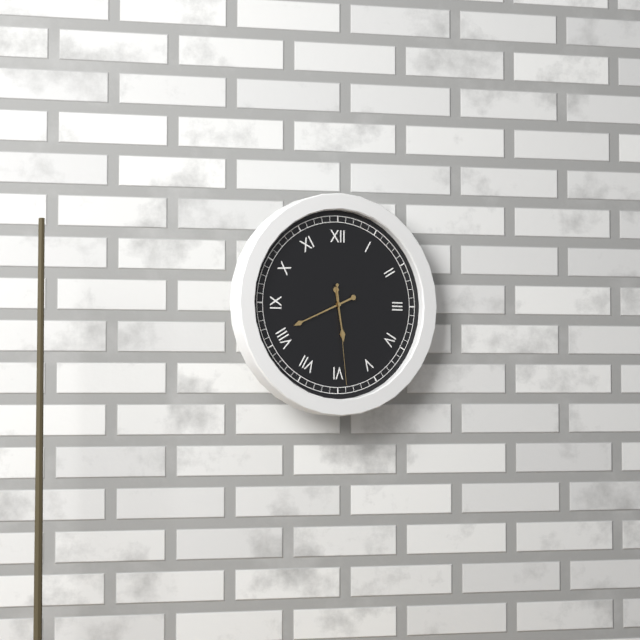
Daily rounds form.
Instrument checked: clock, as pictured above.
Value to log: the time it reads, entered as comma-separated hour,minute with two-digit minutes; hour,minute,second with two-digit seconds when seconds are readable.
5,41,29
